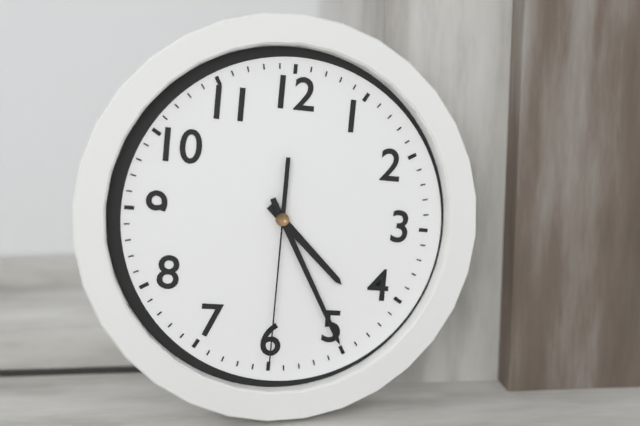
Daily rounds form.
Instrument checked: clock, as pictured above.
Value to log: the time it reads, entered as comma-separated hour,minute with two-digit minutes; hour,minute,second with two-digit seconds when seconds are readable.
4,25,30
